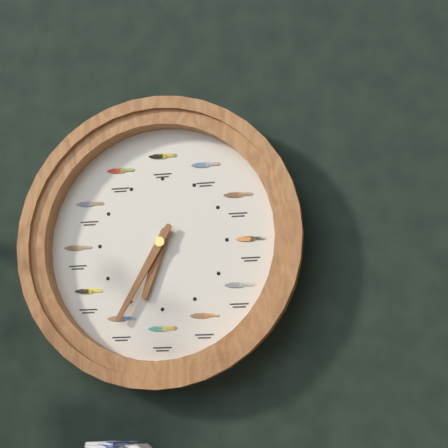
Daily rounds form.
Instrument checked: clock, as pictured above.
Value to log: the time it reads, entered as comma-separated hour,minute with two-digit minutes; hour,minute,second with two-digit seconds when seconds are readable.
6,35
